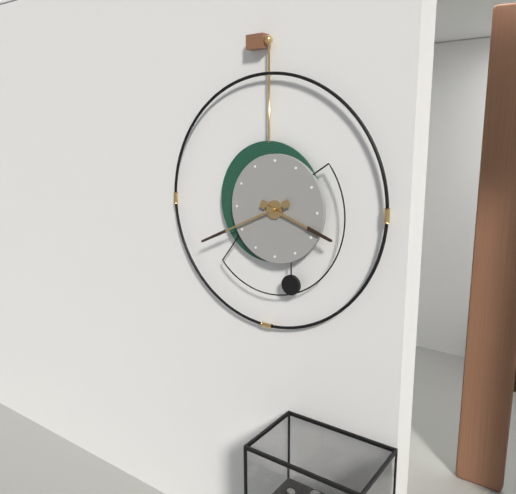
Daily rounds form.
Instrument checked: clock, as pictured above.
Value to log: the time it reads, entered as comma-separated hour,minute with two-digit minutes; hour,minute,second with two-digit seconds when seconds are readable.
3,41
